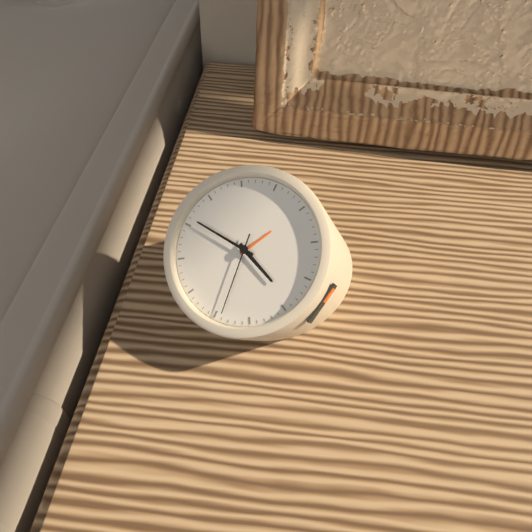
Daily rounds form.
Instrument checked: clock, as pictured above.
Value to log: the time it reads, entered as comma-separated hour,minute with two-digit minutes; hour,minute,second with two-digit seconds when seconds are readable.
3,46,29
